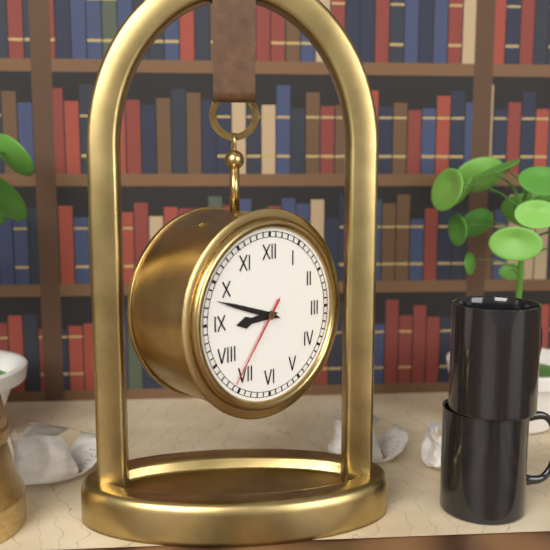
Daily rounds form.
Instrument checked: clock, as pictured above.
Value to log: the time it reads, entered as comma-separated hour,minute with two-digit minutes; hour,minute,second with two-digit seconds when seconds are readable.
8,48,36
